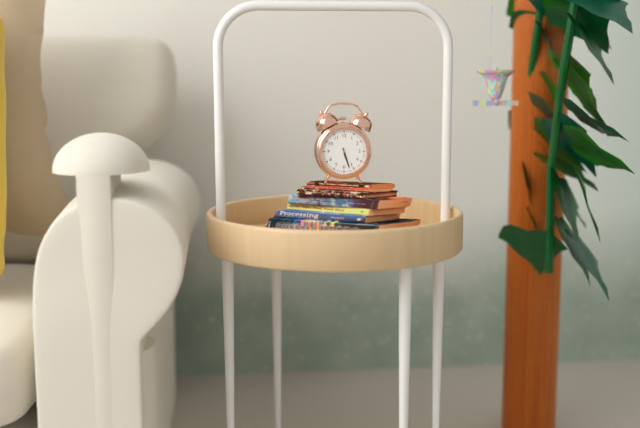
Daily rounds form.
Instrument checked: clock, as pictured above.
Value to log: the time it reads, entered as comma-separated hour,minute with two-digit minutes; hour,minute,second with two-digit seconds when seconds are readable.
5,27
